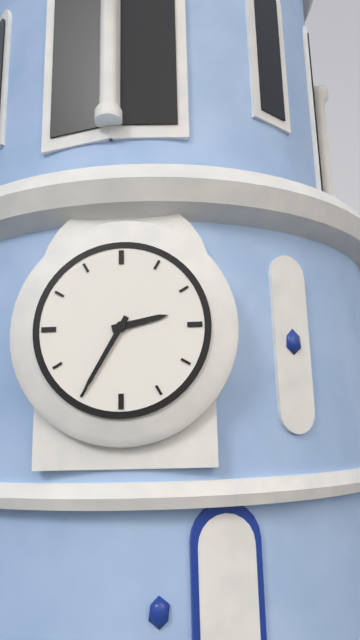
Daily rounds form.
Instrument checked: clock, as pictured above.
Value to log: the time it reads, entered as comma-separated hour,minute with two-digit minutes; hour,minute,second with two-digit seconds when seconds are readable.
2,35
